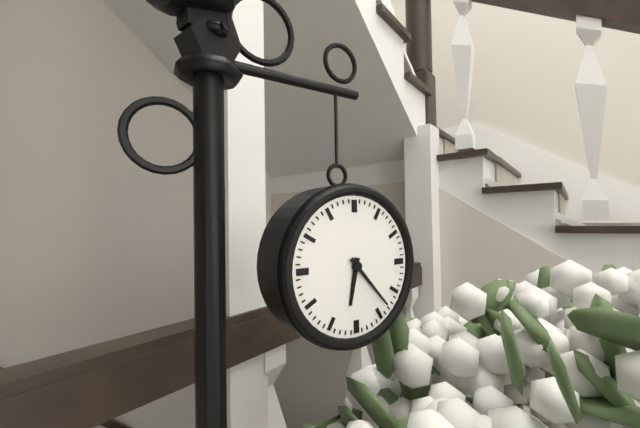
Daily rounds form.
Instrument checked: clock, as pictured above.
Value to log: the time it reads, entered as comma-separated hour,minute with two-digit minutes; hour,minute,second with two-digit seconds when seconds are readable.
6,23
